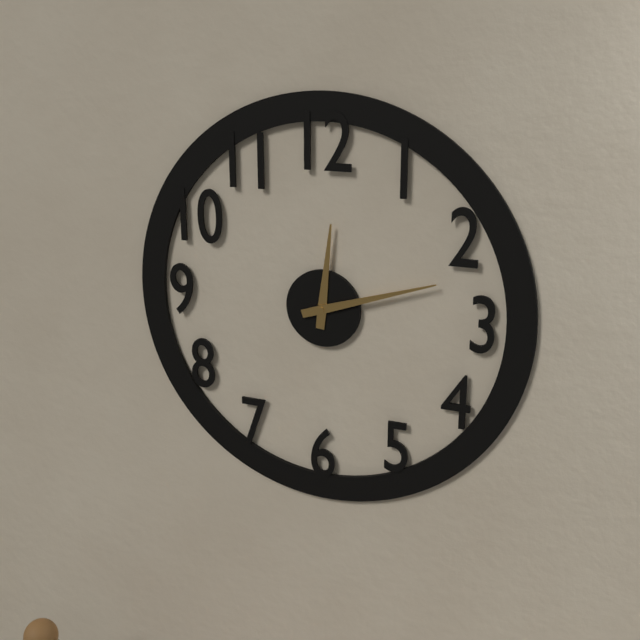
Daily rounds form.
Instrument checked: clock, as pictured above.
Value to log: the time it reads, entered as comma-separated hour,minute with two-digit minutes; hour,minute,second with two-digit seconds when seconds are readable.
12,12
